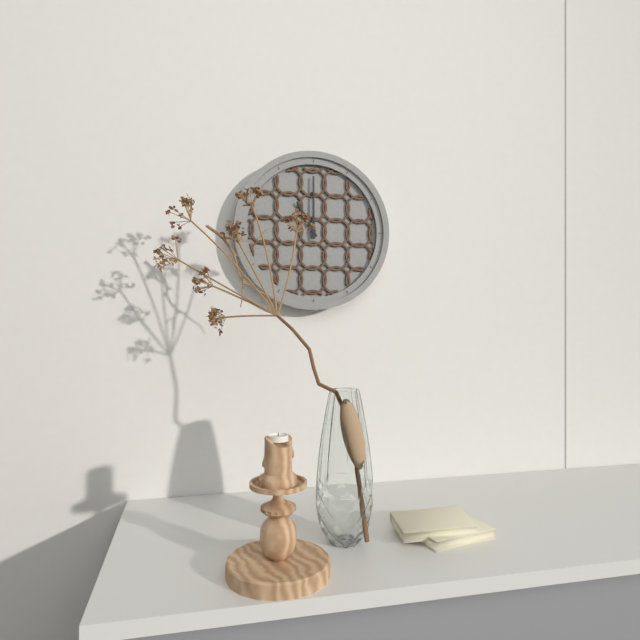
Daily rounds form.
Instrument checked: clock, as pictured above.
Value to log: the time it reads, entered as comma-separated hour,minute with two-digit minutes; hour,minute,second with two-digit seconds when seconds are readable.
11,00
